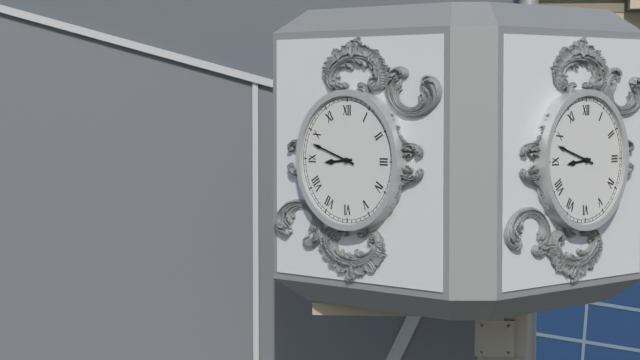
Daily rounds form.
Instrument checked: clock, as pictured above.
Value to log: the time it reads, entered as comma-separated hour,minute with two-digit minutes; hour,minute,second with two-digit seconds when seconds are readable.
8,48
